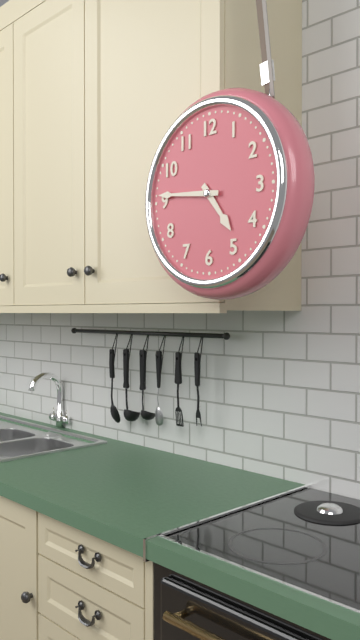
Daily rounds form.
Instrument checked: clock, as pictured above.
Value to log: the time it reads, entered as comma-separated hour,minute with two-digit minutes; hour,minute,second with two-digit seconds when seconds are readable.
4,46
